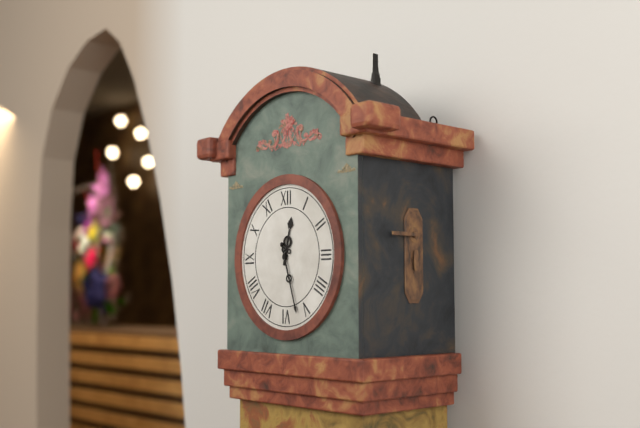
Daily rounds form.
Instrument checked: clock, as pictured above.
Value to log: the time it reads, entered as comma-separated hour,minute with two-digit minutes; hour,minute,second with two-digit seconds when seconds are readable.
12,27
